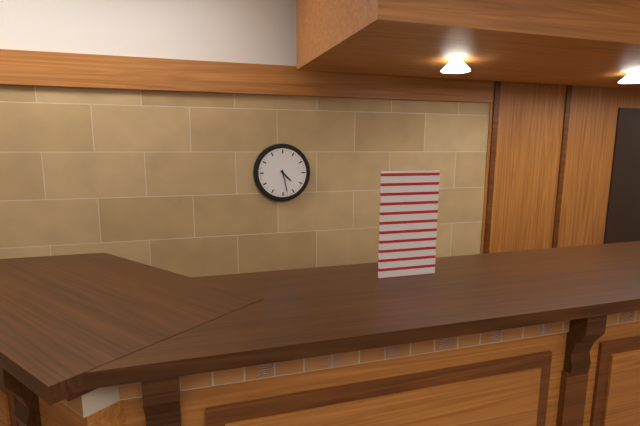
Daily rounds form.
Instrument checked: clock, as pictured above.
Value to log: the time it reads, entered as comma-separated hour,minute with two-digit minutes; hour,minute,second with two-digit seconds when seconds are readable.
4,28
